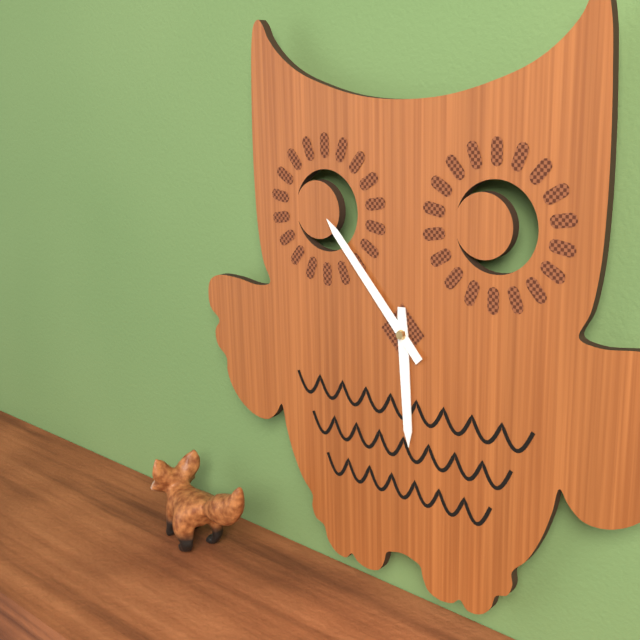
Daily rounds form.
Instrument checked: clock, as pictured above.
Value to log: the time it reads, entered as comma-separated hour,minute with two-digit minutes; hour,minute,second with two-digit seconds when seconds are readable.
5,53
